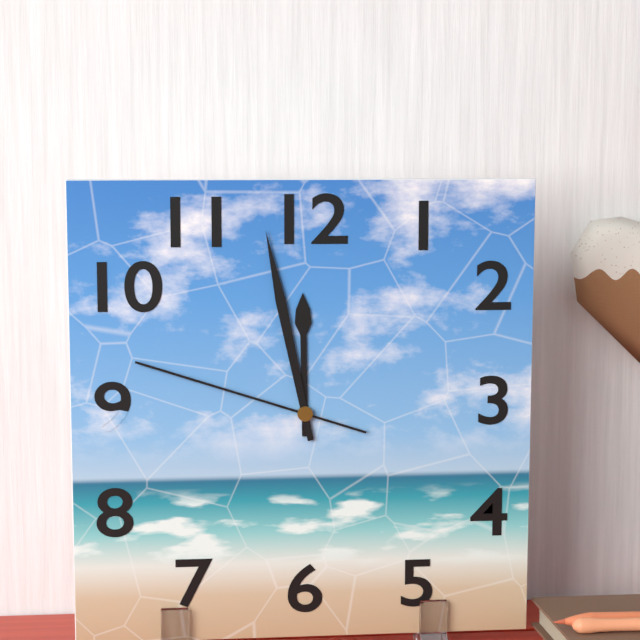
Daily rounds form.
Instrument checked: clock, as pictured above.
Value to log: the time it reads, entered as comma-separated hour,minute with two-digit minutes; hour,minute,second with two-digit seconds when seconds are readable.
11,58,48
